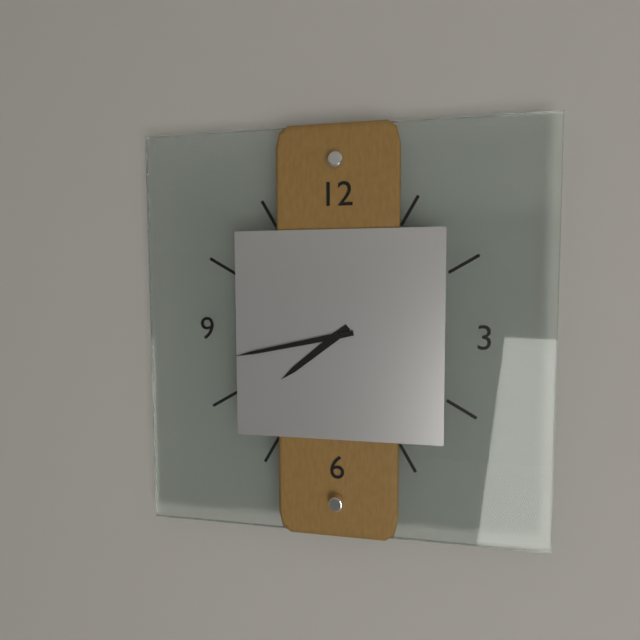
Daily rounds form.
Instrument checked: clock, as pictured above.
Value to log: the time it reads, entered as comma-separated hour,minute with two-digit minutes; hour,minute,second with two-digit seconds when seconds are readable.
7,43
